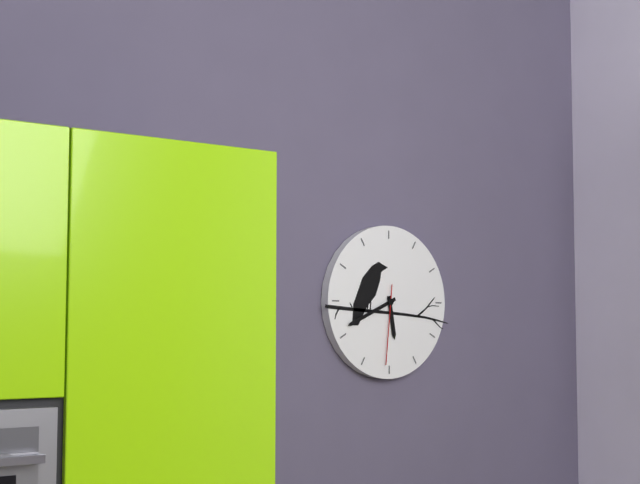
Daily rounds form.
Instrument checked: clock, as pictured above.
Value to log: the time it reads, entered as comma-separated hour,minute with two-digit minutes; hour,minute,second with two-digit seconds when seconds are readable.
5,41,31
